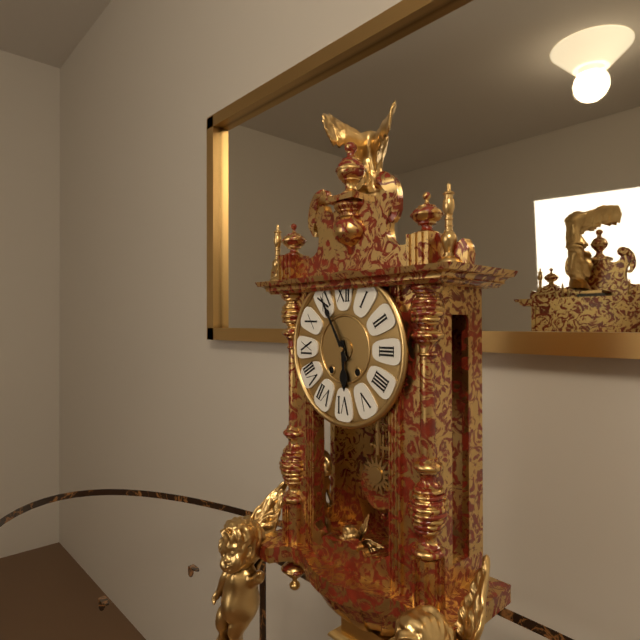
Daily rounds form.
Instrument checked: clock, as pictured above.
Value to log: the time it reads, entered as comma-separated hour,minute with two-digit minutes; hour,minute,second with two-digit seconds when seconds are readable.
5,55
